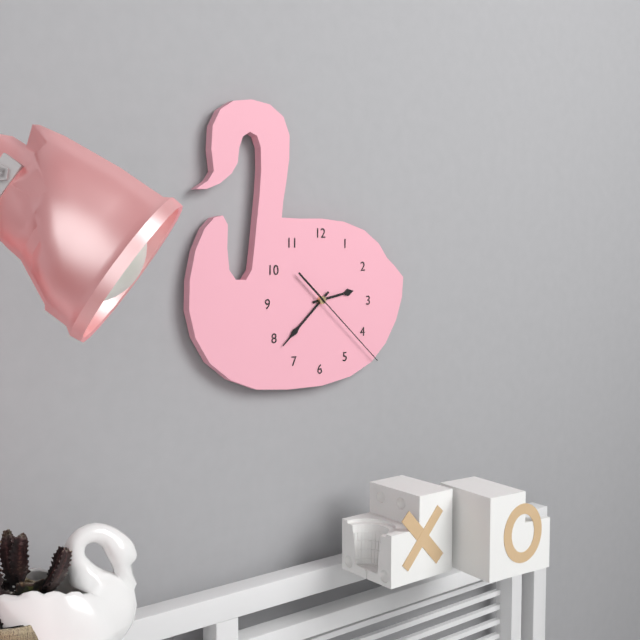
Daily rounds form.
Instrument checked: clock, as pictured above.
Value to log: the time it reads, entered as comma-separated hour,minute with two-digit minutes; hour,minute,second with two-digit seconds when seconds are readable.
2,38,22
